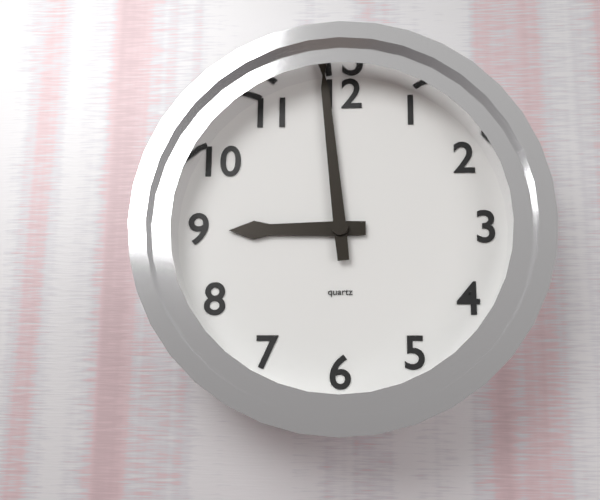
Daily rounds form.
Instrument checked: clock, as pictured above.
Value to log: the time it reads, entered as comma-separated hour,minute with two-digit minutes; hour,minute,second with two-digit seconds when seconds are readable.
8,59
